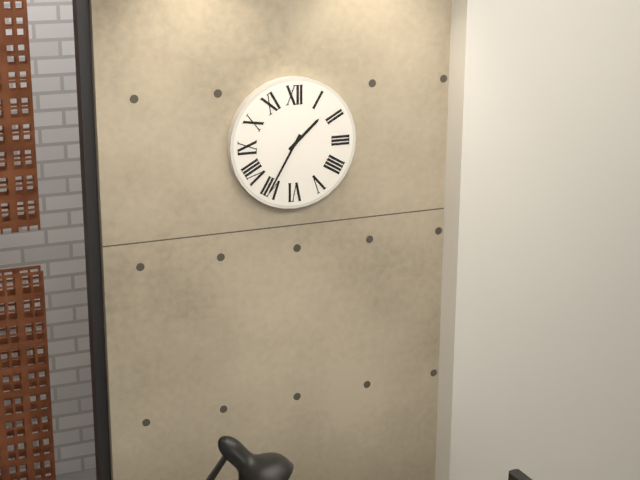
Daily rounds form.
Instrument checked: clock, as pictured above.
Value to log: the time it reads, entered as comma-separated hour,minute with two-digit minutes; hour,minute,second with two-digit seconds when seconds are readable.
1,35
